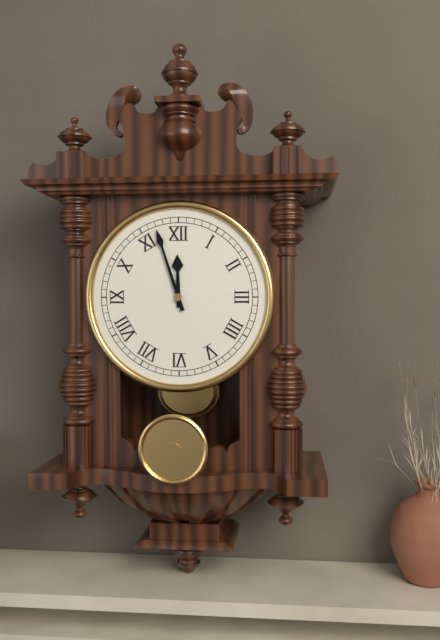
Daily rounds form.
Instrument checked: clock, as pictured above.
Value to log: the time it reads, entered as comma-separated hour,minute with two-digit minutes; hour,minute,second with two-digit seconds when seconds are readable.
11,57
